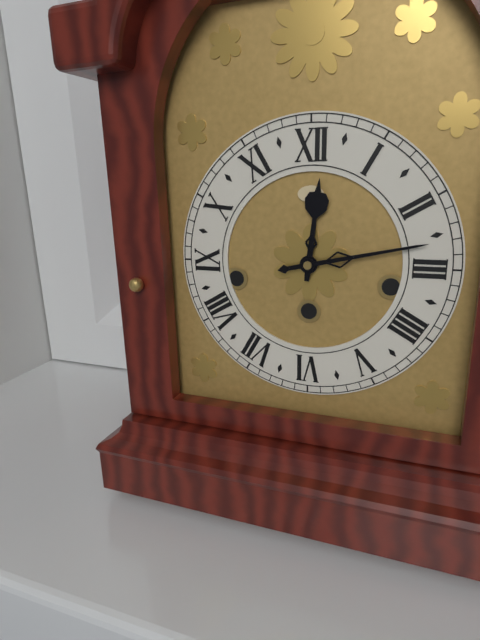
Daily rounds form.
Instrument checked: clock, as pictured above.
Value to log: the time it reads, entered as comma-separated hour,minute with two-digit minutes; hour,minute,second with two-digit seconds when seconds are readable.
12,13
